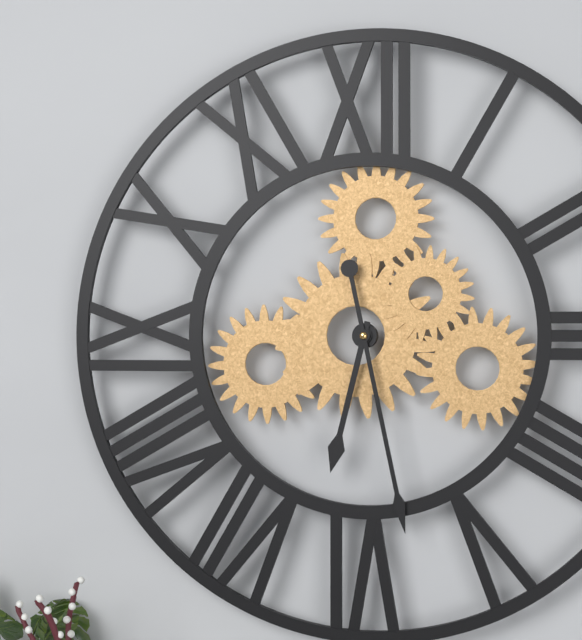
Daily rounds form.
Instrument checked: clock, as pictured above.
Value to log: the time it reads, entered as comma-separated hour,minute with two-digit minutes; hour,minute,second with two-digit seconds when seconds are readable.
6,28
